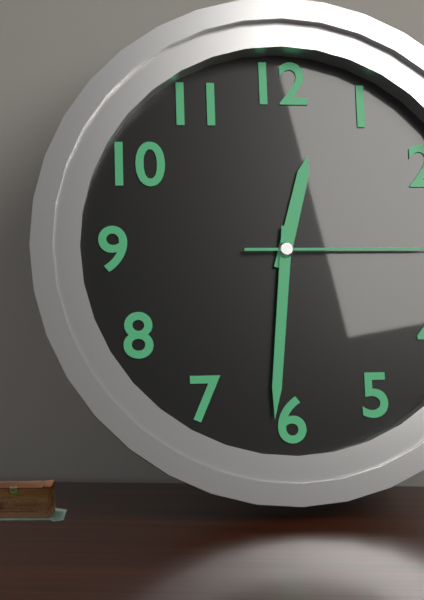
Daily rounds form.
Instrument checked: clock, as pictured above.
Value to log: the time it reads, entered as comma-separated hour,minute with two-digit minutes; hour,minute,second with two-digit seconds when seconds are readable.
12,31
